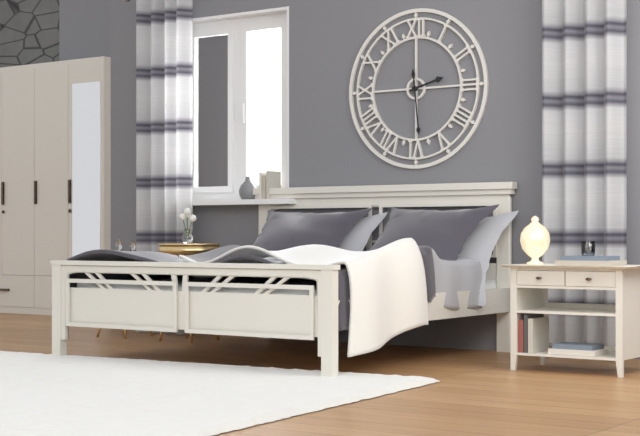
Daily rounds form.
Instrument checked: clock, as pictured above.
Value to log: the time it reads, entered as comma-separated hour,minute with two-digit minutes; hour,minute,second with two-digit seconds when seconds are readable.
2,29
